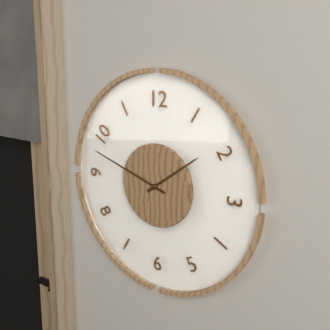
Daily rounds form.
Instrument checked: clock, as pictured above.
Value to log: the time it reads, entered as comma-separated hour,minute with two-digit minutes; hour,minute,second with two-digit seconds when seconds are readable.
1,48
